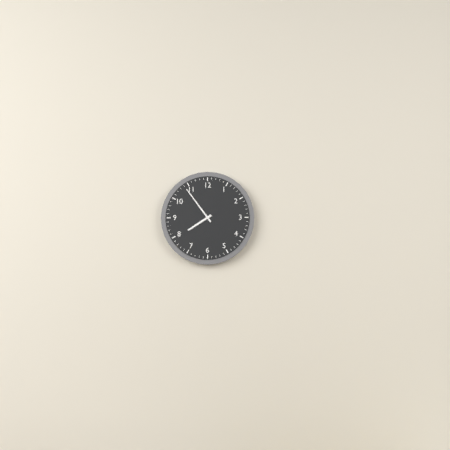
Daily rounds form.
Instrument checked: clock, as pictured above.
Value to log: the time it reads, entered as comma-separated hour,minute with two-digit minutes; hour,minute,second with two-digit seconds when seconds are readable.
7,54
